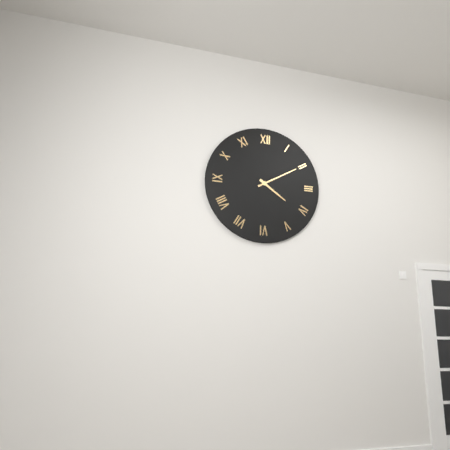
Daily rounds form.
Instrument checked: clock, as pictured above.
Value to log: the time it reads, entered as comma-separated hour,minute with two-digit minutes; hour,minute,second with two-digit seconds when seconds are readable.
4,10
